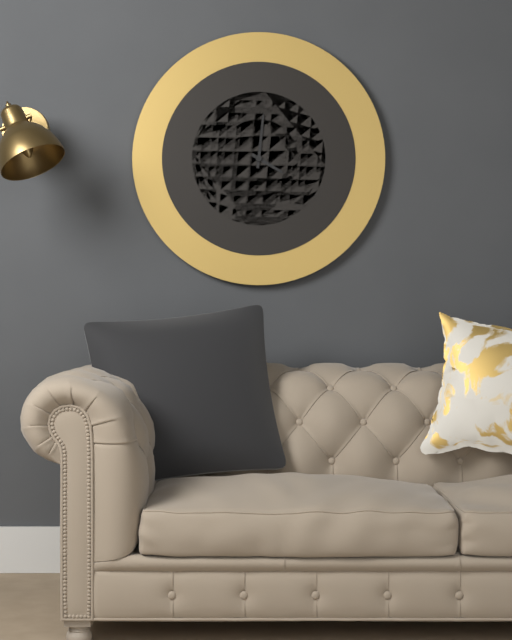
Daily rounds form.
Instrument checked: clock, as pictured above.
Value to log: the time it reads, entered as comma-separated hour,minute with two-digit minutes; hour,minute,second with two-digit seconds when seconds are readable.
4,01
